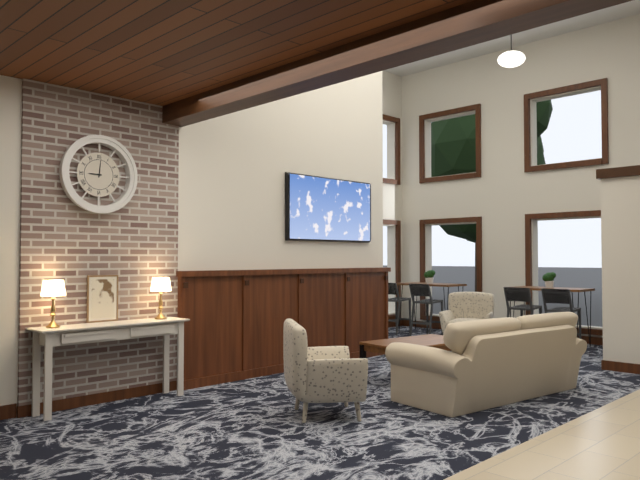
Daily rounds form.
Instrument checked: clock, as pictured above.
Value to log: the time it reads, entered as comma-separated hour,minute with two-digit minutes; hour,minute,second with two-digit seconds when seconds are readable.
9,01
